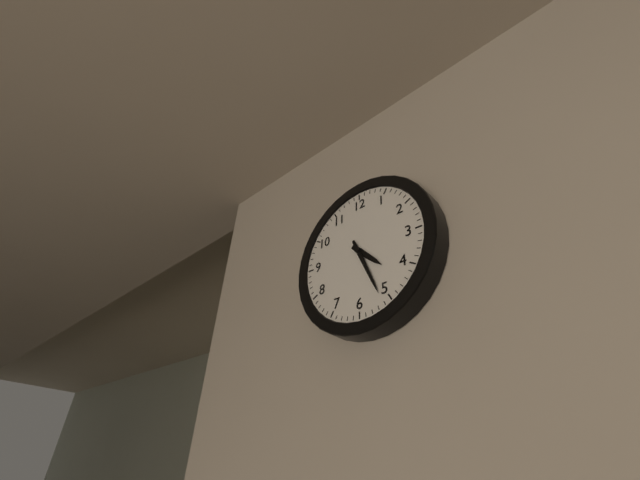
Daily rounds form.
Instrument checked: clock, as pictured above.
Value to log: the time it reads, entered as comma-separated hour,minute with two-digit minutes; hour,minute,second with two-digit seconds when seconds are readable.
4,26
